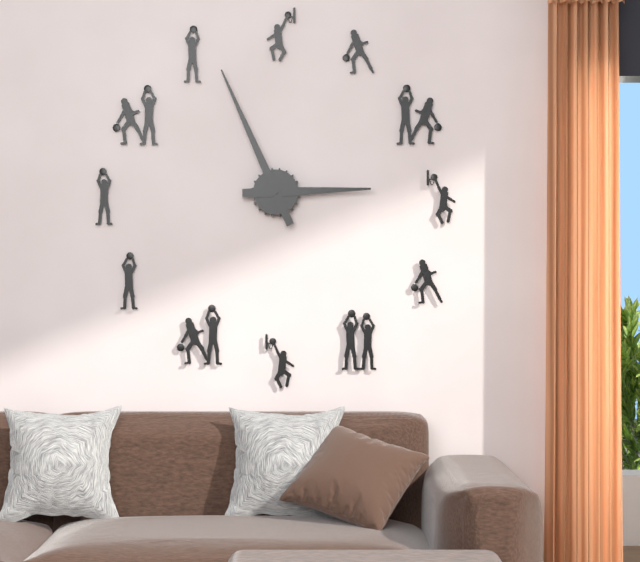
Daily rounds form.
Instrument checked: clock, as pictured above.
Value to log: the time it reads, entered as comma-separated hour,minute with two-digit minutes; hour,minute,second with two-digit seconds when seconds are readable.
2,56
